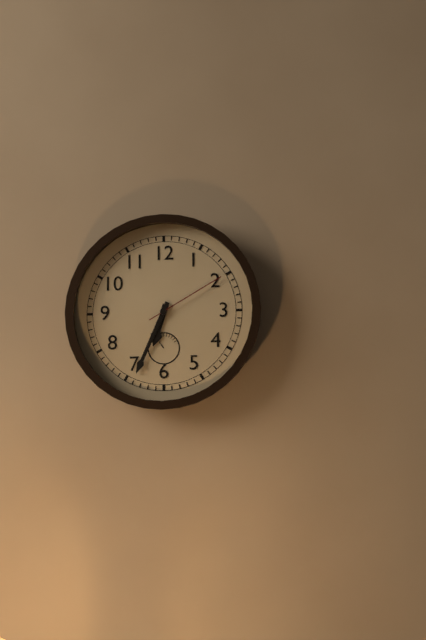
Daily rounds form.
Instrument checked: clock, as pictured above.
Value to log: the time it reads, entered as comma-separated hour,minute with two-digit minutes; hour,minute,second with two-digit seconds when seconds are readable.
6,34,10
